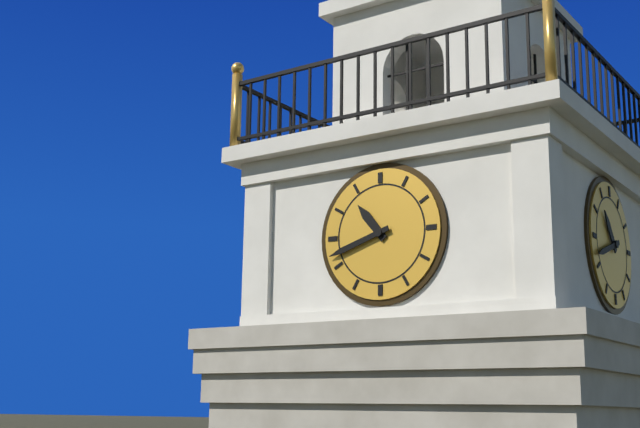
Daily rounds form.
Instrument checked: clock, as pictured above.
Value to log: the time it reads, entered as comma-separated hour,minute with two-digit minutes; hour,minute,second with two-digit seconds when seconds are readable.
10,42
